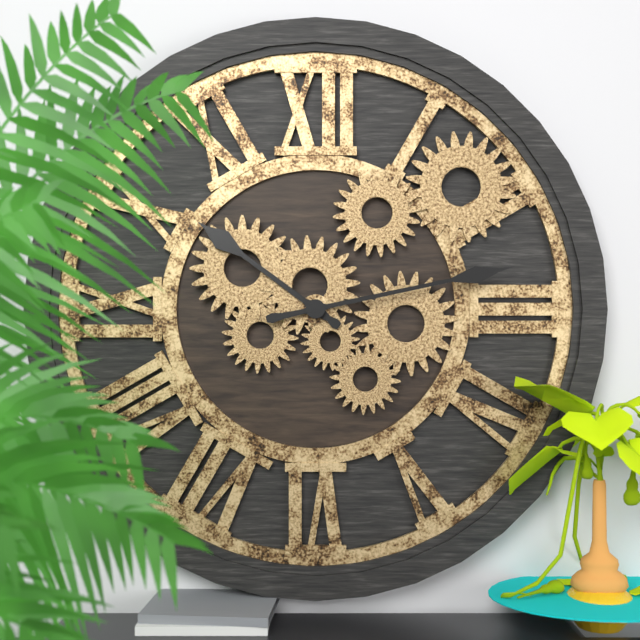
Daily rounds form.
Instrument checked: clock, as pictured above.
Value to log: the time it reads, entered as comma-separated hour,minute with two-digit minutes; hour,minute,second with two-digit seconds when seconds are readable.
10,13
